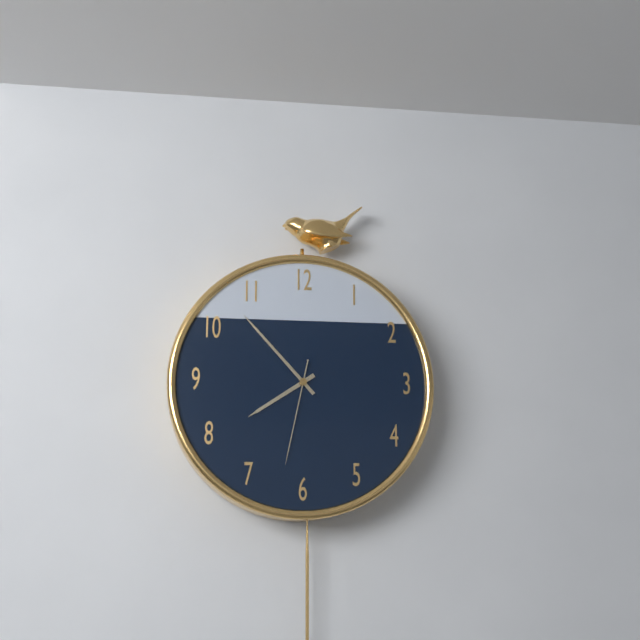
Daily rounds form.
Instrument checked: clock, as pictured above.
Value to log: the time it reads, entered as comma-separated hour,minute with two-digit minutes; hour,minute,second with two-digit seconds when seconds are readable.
7,53,32
